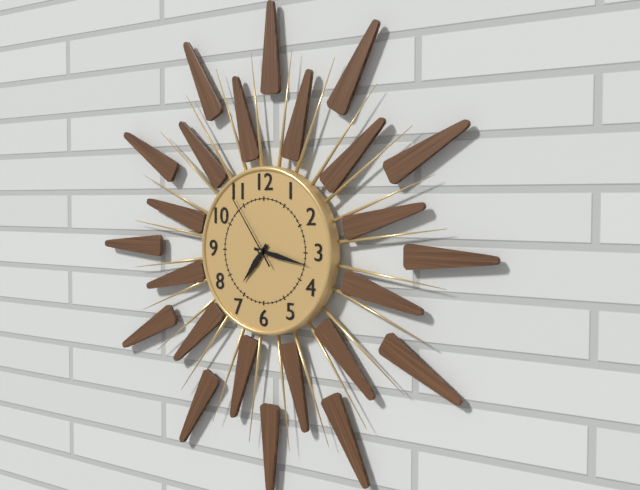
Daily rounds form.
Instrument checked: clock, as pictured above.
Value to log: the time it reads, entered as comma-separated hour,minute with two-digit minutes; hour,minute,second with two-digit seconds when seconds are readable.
7,17,54
